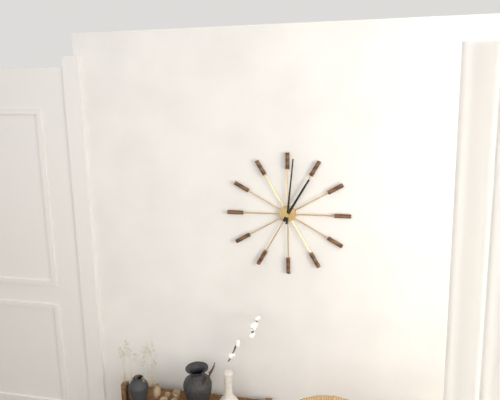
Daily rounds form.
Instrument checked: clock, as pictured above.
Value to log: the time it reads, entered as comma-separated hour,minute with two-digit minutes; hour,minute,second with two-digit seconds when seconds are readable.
1,01
